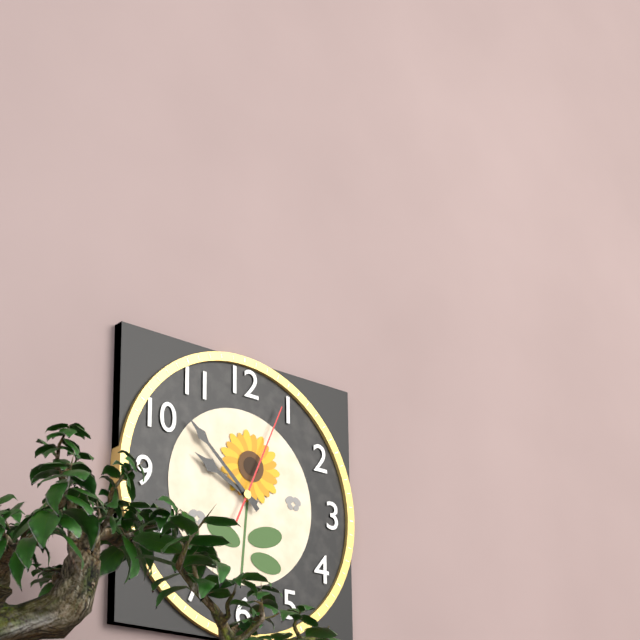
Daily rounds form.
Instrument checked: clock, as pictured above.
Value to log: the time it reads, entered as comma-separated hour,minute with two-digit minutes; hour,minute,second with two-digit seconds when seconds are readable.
9,52,04
